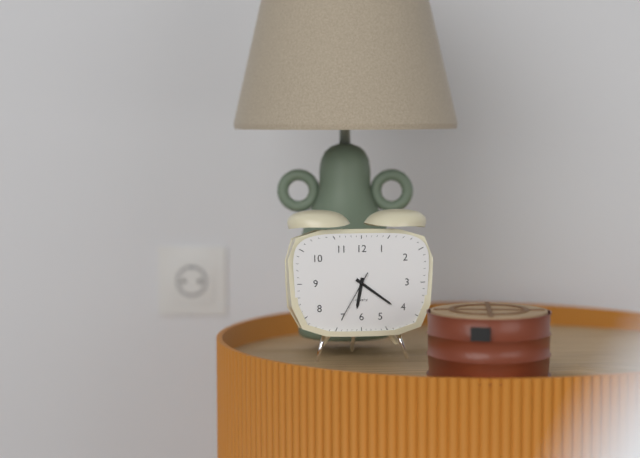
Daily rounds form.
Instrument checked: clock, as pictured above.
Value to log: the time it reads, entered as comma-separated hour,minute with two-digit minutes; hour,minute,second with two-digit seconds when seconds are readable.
6,21,35
